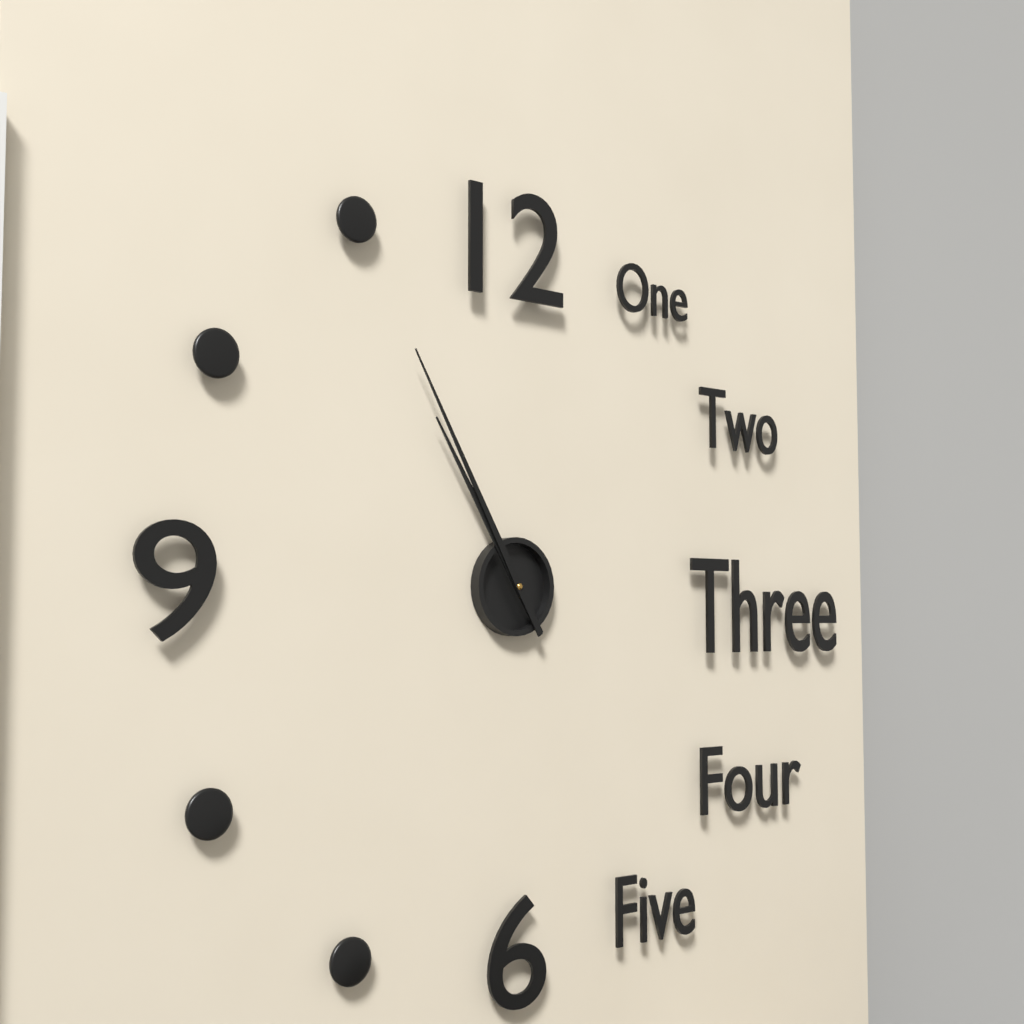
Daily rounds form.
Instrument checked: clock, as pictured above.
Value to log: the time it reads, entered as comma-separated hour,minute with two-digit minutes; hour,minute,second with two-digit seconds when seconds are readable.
10,55
